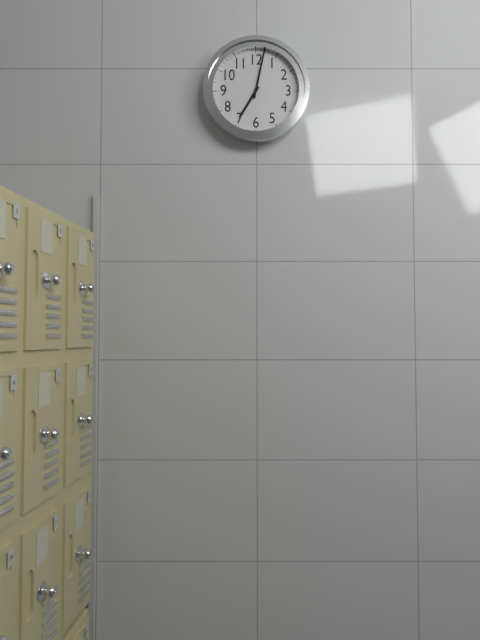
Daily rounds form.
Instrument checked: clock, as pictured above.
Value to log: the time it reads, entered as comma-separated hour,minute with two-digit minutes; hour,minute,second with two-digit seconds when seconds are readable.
7,02
